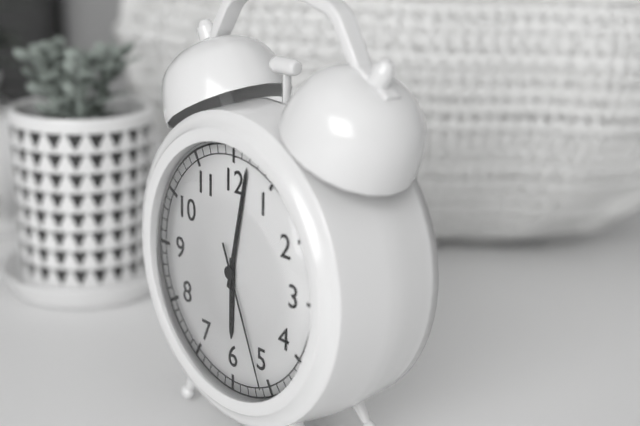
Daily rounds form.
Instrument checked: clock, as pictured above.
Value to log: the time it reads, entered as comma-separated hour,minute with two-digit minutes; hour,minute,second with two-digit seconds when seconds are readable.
6,02,26
